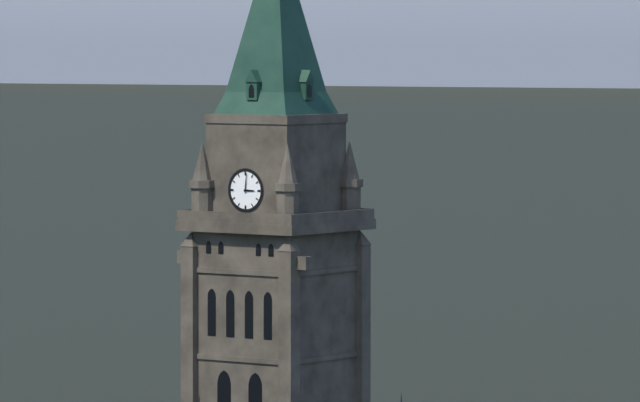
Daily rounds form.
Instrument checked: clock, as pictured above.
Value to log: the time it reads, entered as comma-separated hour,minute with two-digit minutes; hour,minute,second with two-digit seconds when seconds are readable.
3,01
